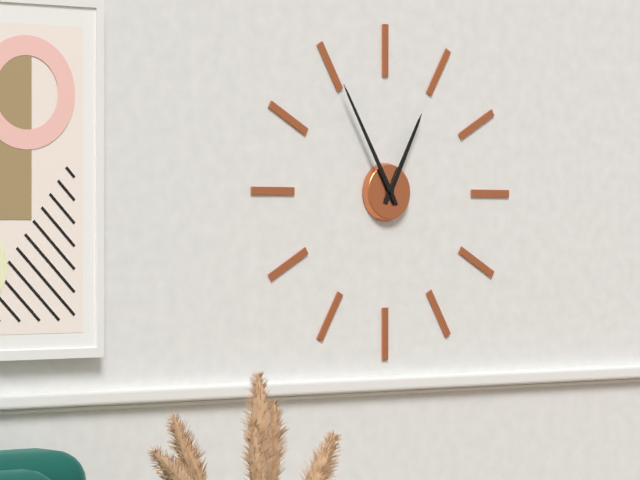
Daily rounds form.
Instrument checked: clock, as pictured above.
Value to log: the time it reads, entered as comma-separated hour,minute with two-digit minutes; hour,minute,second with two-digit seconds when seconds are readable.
12,55
